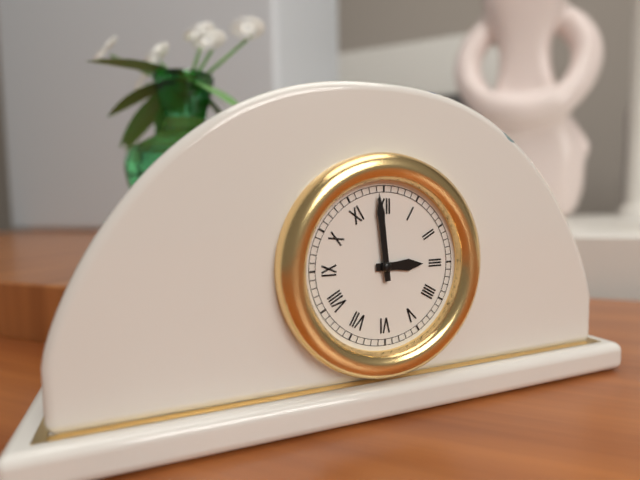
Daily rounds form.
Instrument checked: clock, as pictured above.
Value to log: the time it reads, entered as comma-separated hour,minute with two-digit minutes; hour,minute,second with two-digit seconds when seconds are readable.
2,59
